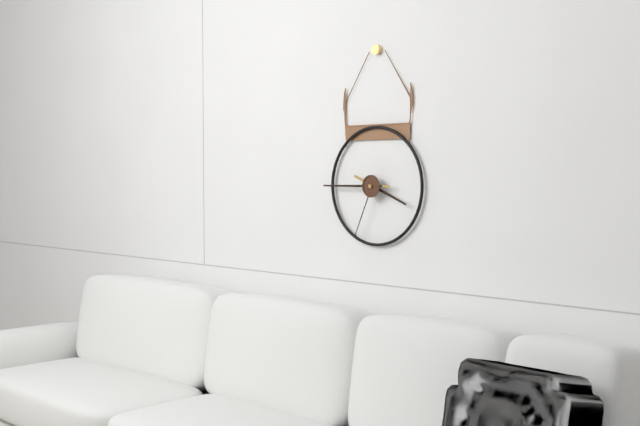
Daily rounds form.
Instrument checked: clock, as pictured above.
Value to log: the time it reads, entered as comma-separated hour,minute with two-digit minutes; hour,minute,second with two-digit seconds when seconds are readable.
3,45,34
